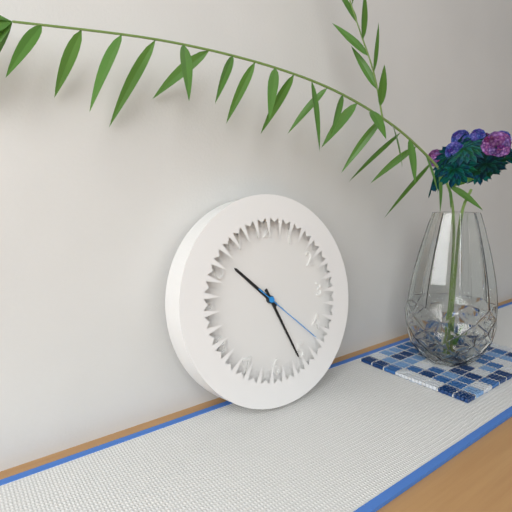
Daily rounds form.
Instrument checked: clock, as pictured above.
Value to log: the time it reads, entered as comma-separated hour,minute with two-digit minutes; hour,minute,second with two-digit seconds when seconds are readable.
10,26,22
